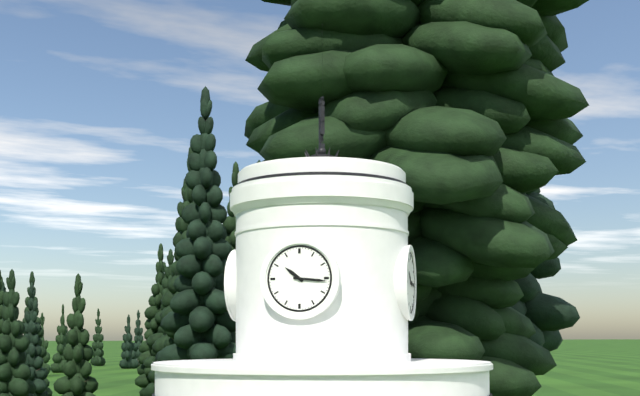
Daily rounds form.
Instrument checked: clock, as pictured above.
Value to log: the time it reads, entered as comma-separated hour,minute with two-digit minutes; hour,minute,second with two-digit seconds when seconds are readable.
10,16
